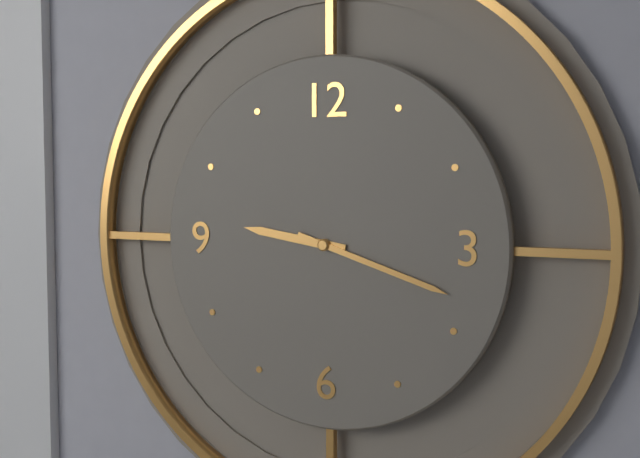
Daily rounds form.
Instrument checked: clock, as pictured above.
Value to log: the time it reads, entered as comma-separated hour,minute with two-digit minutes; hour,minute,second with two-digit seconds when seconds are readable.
9,18
